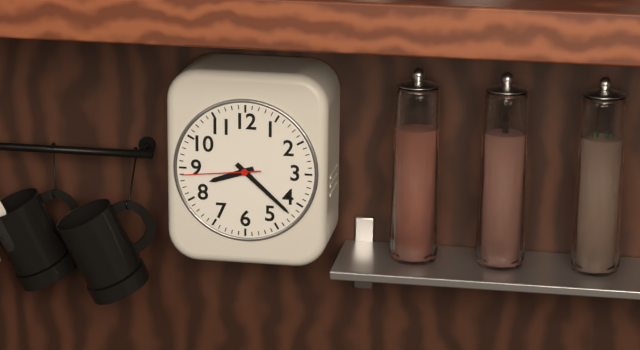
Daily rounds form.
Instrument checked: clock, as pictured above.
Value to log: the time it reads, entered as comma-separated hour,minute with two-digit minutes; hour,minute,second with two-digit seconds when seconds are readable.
8,22,44
